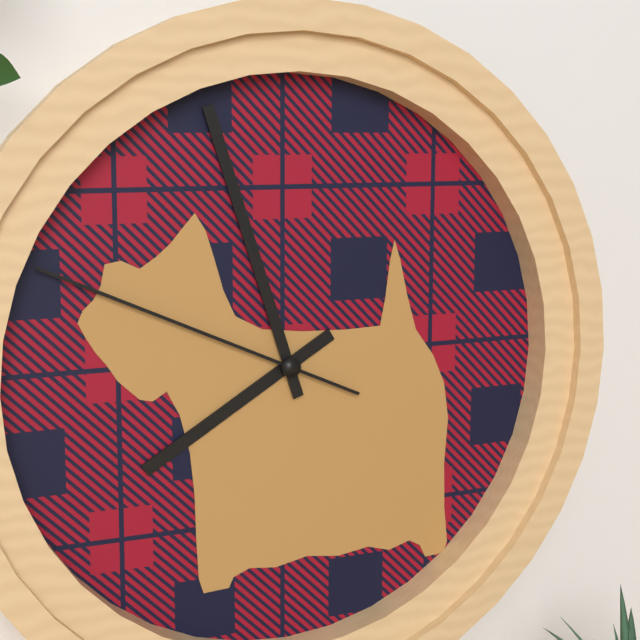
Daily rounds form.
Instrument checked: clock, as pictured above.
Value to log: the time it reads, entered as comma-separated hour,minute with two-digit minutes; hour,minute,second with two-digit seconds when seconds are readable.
7,57,49
